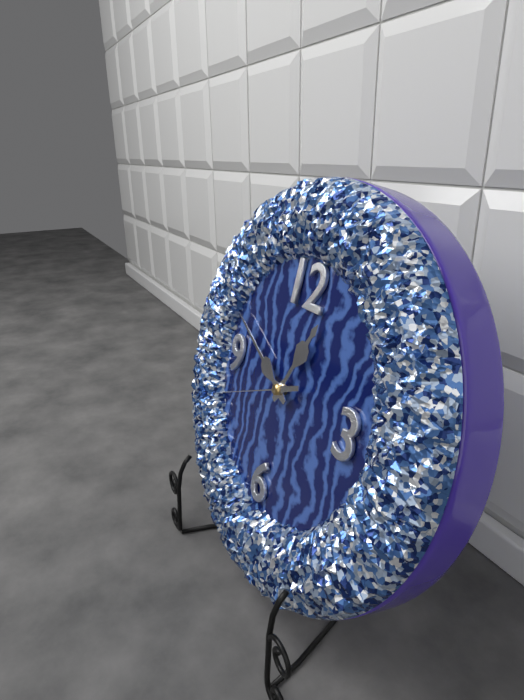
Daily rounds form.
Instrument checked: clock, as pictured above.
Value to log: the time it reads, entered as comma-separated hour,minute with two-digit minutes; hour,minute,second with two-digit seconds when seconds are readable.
12,49,41
